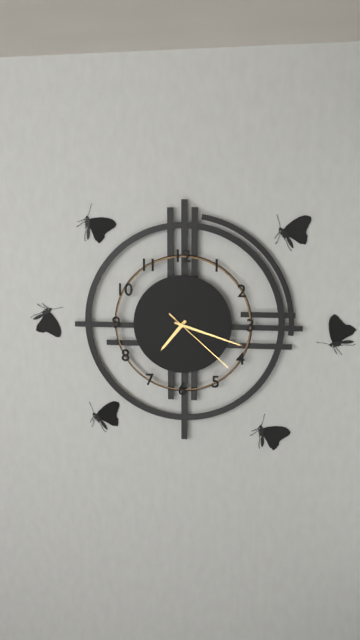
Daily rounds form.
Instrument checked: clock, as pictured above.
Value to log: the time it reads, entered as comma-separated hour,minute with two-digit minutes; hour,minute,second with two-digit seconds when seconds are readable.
7,18,22
